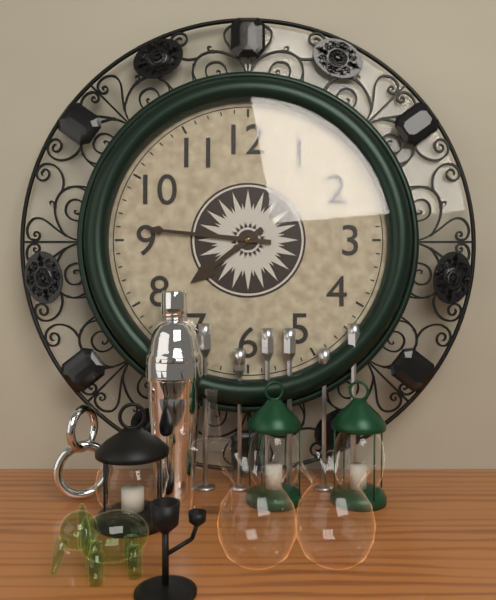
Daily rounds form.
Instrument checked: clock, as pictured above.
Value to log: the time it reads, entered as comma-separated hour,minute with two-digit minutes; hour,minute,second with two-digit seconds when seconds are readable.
7,46
